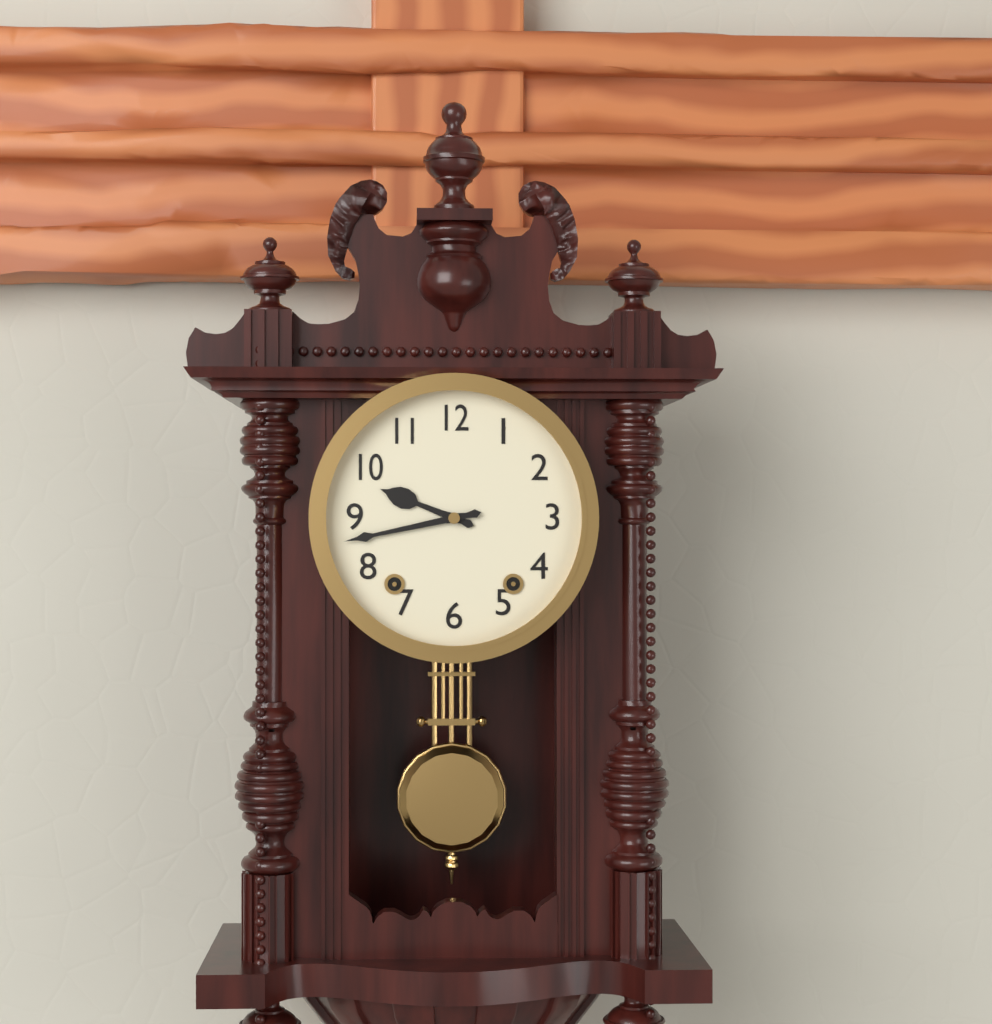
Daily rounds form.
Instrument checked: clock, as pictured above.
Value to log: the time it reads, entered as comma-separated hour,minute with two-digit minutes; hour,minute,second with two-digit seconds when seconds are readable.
9,43
